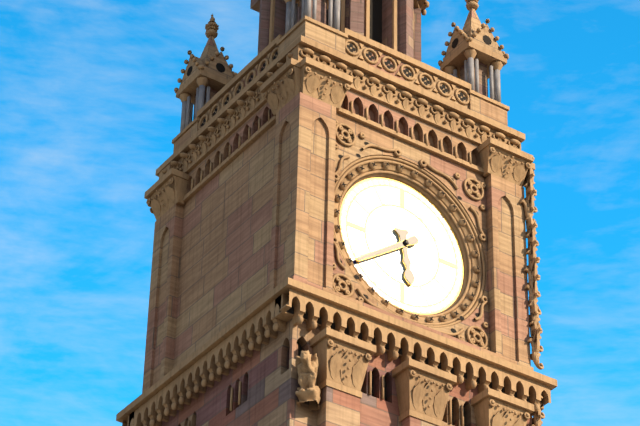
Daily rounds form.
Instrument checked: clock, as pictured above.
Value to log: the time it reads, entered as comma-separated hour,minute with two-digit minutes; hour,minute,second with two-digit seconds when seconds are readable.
5,39
